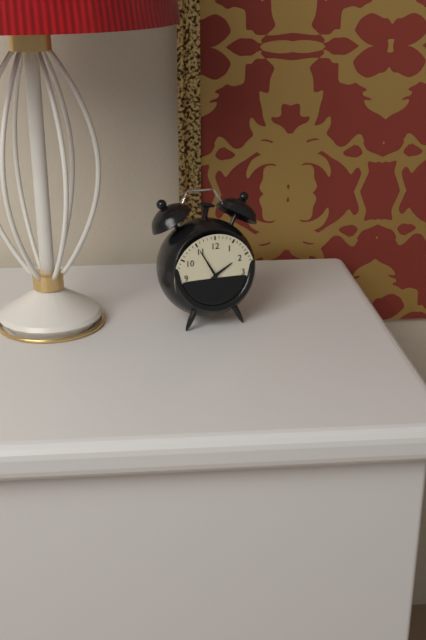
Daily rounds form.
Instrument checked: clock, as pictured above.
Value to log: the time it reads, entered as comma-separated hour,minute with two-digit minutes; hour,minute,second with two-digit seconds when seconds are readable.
1,55
